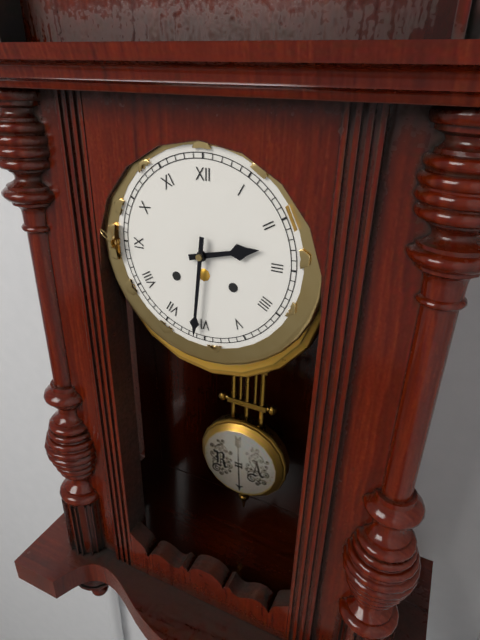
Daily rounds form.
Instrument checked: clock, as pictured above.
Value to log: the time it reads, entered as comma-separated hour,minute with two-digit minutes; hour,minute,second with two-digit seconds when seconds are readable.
2,31
